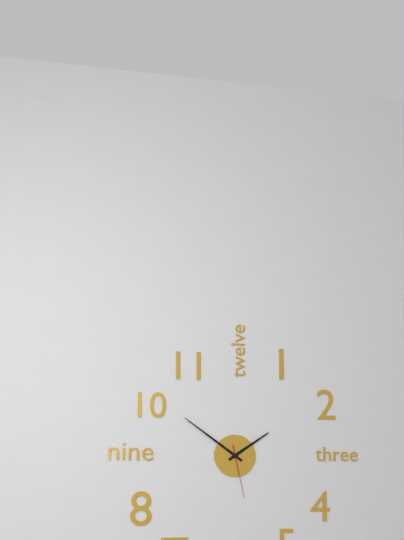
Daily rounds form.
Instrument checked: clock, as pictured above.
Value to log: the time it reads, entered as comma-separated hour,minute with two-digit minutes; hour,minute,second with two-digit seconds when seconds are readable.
1,51,28
